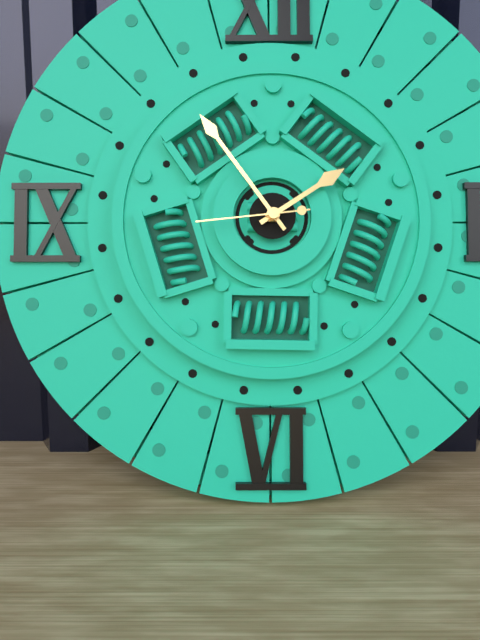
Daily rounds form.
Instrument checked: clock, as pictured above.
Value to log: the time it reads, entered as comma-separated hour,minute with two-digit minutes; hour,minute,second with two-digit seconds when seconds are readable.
1,54,44
